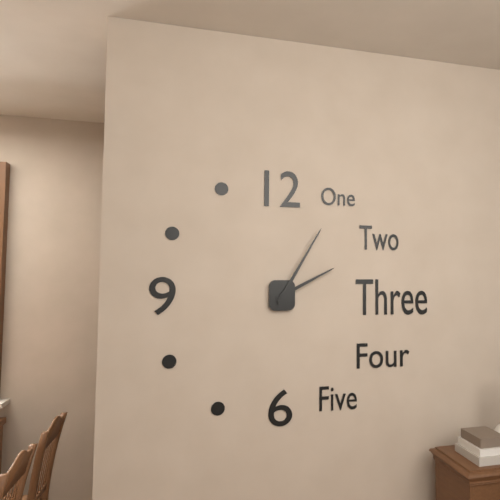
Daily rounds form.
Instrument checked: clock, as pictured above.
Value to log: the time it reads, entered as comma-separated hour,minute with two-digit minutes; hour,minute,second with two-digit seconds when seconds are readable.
2,05
